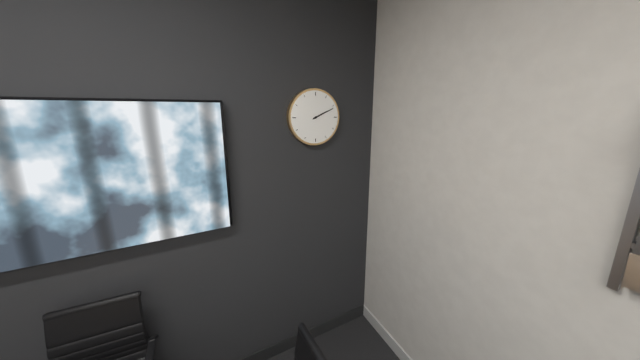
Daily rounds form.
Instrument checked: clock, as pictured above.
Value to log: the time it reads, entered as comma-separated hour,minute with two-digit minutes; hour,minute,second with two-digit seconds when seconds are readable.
2,11
